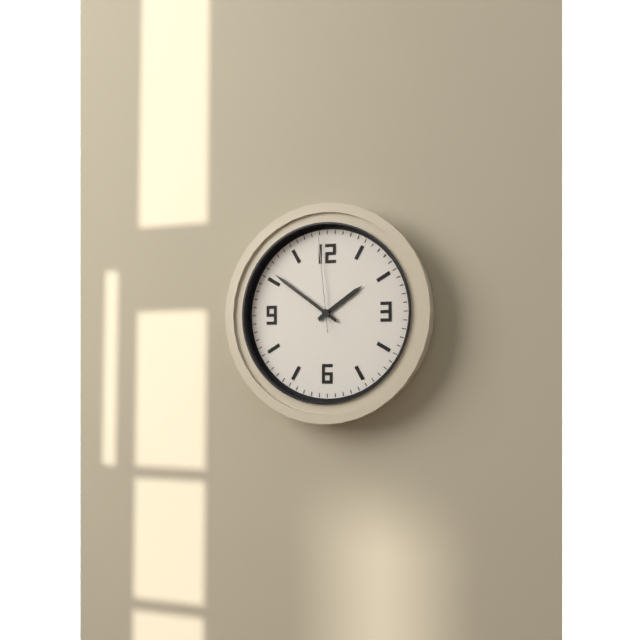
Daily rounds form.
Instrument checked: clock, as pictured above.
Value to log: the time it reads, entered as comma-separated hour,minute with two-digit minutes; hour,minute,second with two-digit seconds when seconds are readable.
1,51,59
